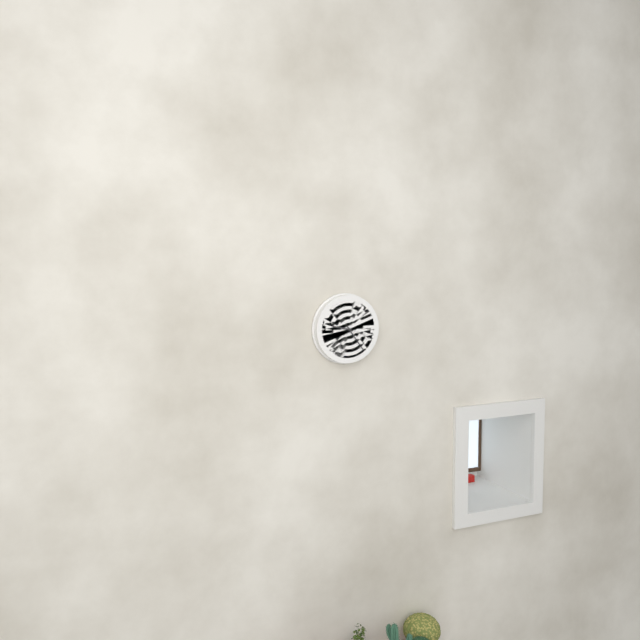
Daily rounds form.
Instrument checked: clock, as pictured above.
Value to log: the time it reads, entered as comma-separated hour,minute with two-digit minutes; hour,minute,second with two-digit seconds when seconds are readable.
9,24
